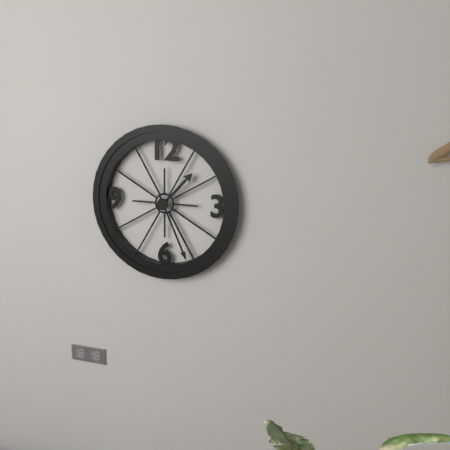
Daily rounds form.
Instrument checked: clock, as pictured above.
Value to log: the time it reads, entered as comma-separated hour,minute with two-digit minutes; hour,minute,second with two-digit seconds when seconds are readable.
1,26
